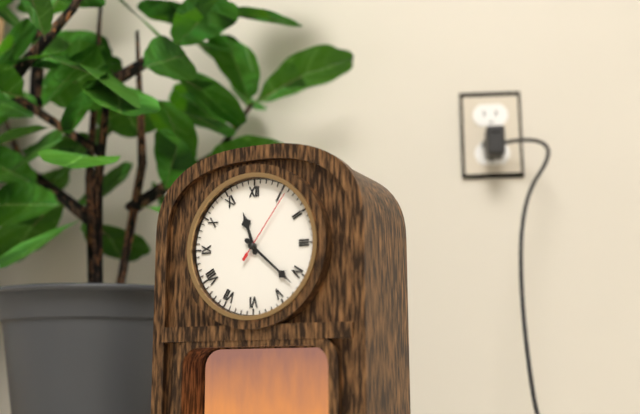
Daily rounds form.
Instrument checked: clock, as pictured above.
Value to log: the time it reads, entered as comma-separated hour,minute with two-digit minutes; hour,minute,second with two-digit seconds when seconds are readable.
11,22,06
